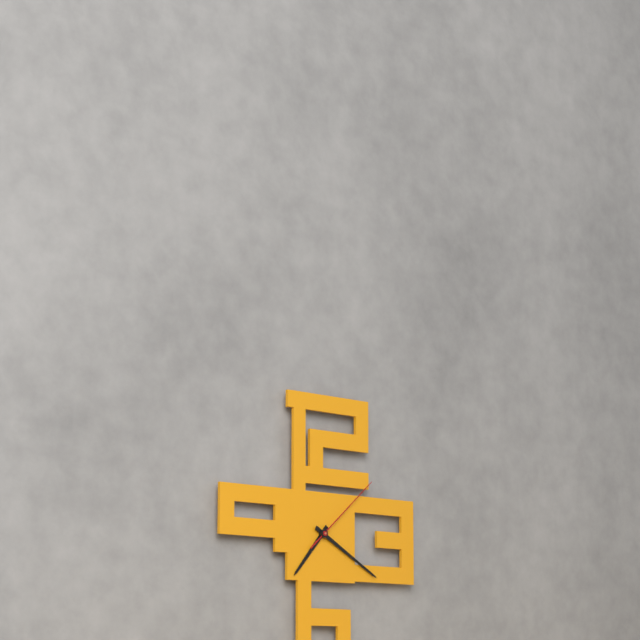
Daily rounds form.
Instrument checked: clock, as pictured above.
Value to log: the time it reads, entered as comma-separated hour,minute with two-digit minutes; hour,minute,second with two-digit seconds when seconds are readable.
7,20,08
